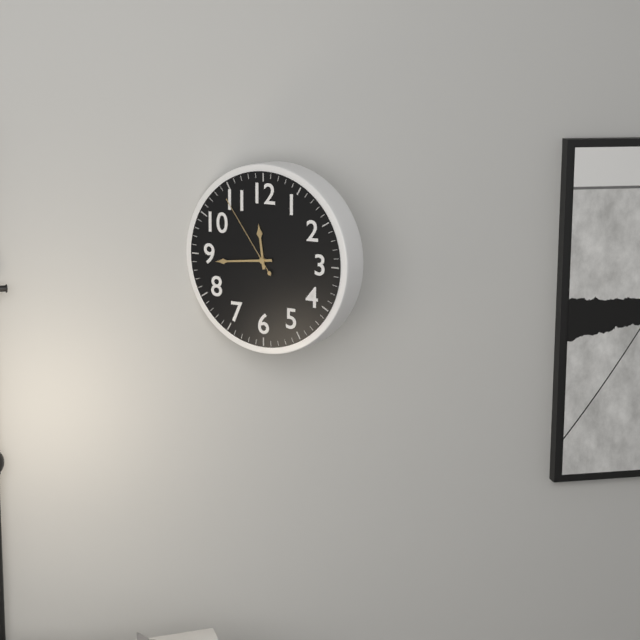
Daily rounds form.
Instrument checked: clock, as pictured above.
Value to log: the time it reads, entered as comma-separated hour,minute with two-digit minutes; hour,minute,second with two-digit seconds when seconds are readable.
11,44,54
